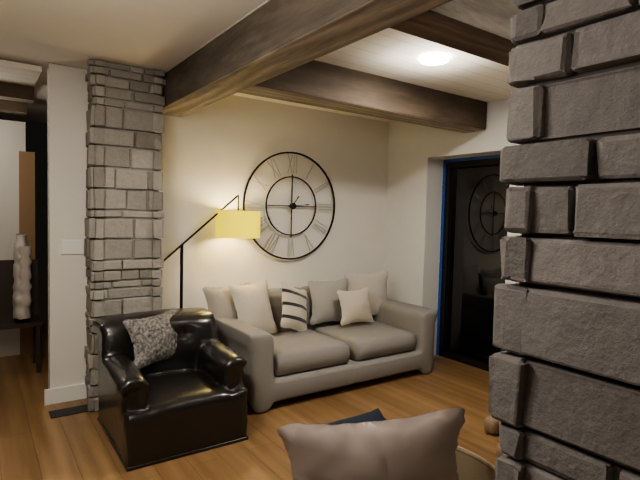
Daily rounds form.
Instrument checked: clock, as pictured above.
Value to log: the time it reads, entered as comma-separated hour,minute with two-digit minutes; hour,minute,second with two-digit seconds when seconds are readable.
1,14
